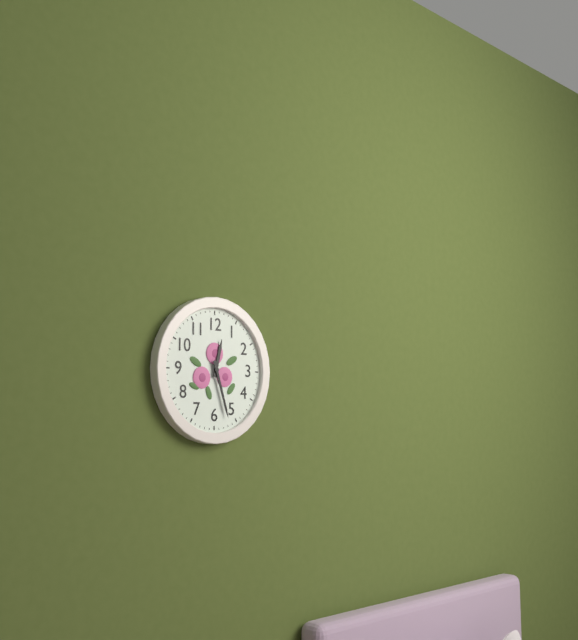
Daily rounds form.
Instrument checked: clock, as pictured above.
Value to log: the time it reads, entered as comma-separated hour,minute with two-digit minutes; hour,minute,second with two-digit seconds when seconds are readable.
12,27
